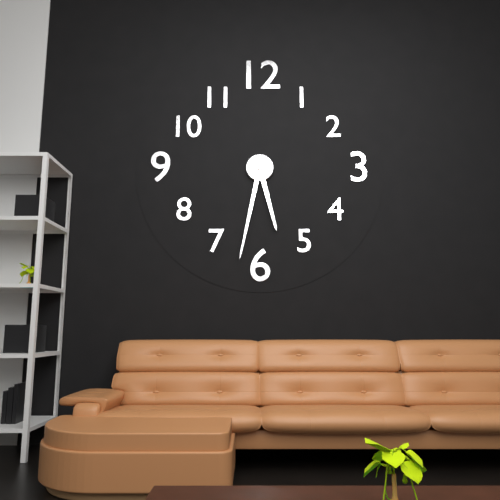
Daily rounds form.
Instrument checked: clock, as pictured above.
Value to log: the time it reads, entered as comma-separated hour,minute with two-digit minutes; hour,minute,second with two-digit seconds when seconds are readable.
5,32
